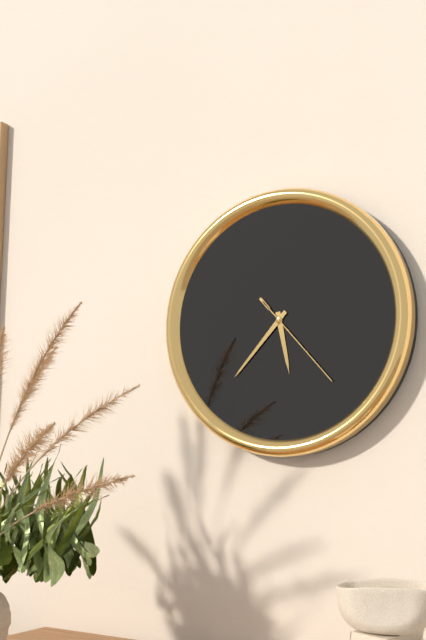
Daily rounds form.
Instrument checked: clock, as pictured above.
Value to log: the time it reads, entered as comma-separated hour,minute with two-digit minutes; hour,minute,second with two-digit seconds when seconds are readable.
5,37,23
